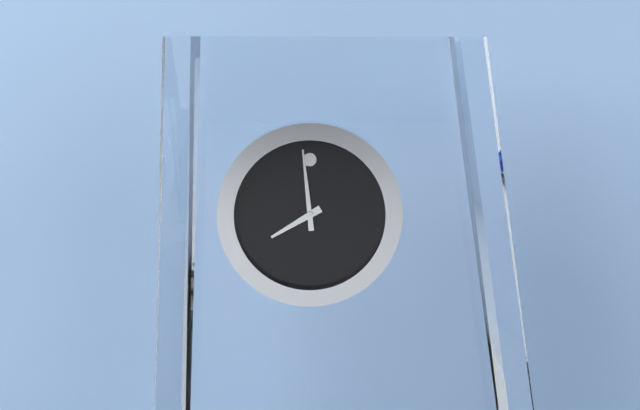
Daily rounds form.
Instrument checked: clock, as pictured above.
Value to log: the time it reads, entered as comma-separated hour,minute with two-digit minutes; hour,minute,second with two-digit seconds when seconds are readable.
7,59
